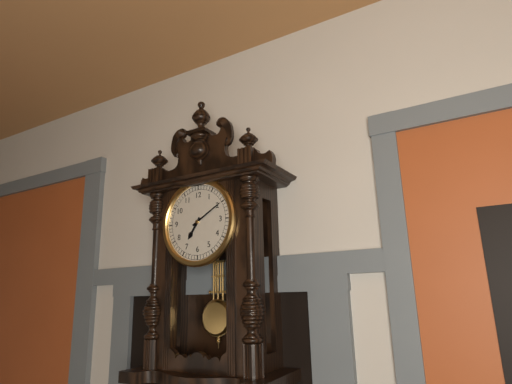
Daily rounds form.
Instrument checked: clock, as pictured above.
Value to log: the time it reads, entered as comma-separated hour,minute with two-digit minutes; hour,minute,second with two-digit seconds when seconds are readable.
7,10
